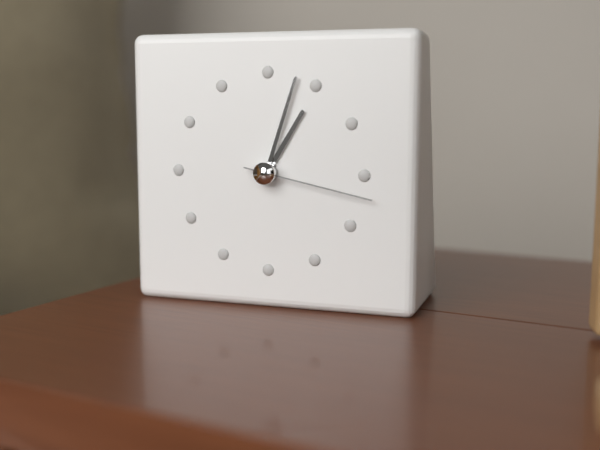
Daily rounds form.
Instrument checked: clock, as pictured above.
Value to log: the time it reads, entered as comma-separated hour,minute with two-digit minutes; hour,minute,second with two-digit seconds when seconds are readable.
1,03,17
